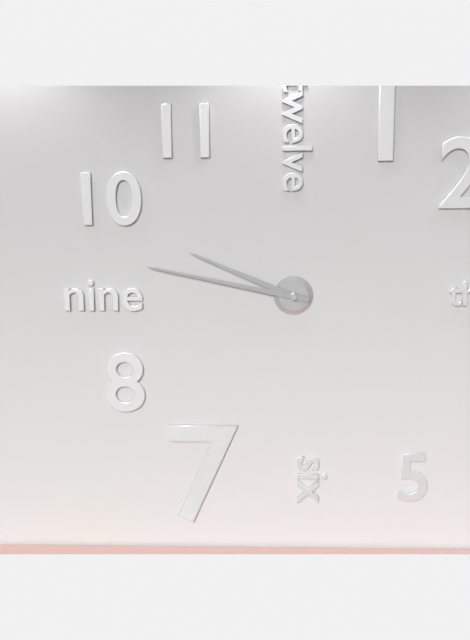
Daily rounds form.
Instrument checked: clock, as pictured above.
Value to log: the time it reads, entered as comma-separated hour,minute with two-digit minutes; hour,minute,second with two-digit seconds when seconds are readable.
9,47
